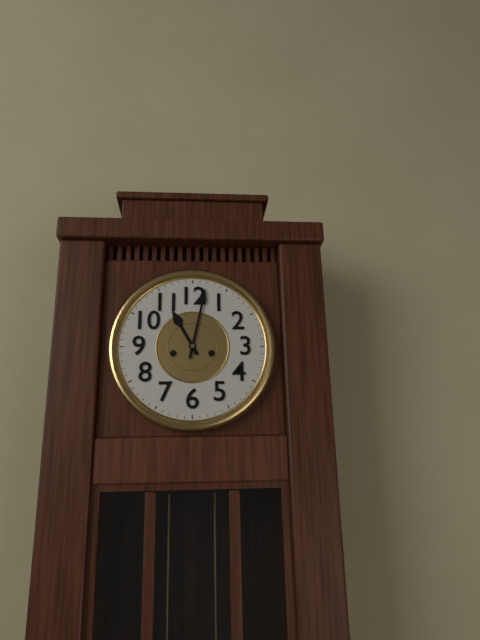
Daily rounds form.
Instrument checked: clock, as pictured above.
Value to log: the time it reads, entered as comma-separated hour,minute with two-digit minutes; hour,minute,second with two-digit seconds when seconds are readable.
11,02
